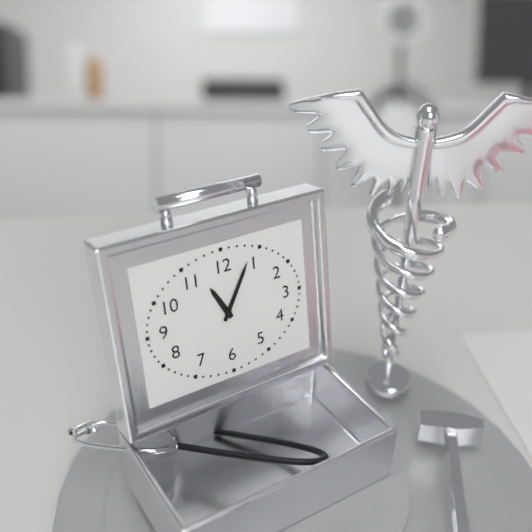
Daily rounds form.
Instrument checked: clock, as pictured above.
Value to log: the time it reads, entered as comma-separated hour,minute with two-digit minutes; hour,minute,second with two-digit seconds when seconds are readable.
11,05
